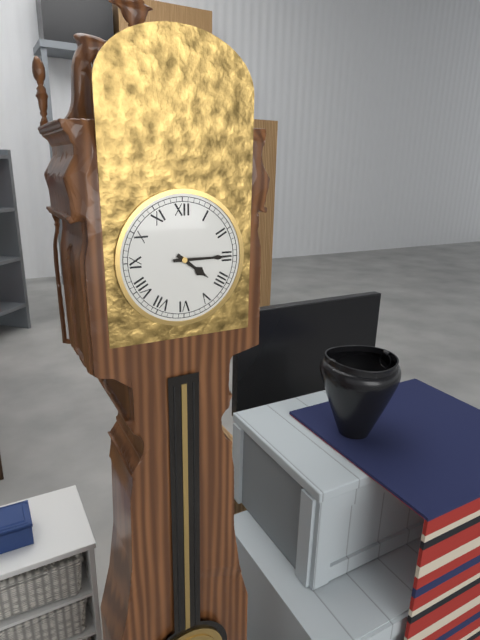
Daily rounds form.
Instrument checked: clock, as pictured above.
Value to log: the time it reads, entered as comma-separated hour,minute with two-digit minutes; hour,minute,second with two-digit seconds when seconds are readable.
4,15
